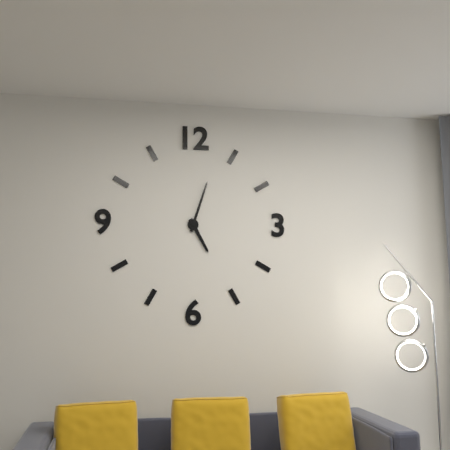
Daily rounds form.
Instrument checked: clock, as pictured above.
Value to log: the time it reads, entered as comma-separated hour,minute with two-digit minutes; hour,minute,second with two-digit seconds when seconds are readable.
5,03
